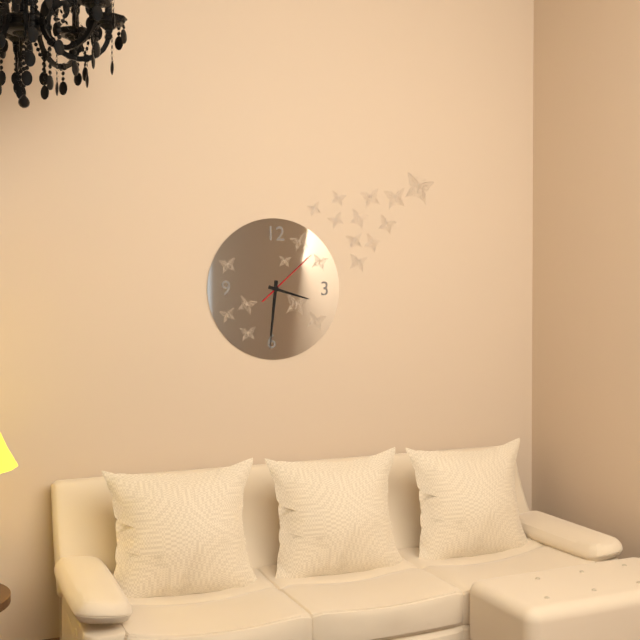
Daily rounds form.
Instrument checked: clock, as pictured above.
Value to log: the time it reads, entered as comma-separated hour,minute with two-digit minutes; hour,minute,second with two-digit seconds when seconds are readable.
3,31,08
